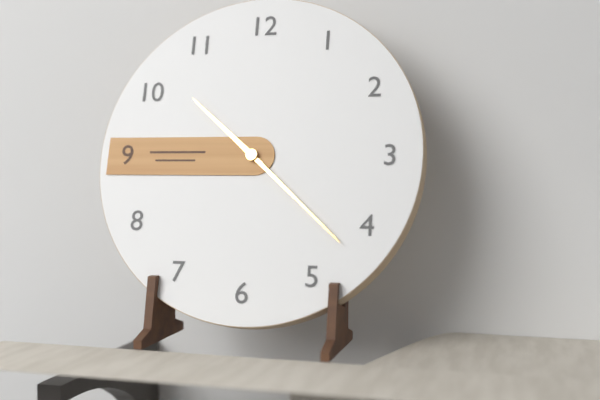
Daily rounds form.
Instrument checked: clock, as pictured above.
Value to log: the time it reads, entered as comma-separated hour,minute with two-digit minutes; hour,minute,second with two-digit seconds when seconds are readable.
10,22
